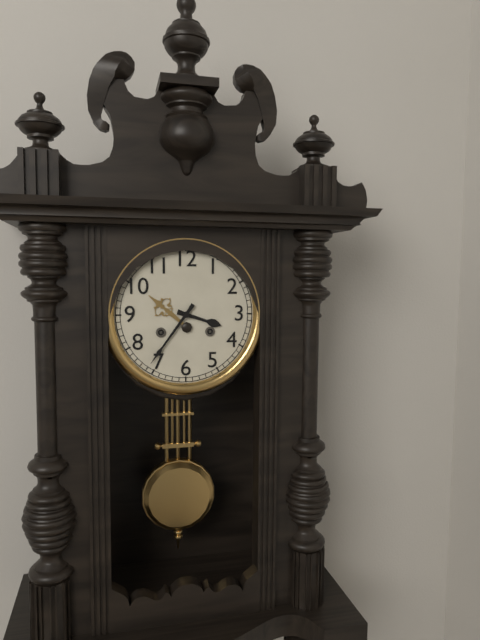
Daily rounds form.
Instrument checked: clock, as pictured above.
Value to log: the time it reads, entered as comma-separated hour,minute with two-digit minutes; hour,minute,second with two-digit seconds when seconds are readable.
3,36
